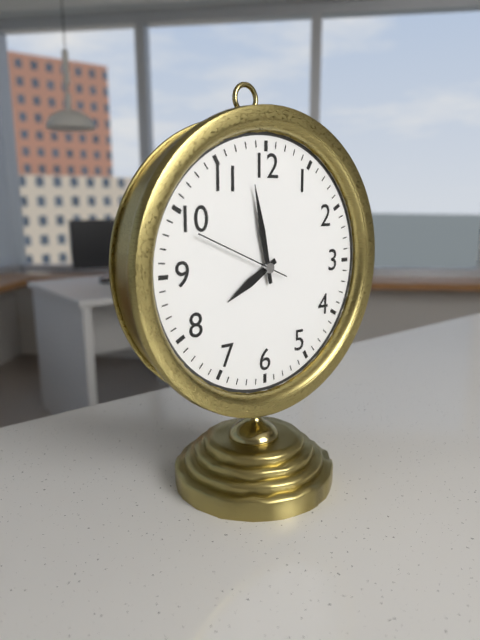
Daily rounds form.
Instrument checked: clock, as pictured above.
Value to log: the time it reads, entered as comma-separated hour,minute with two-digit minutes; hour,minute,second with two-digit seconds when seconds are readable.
7,58,49
